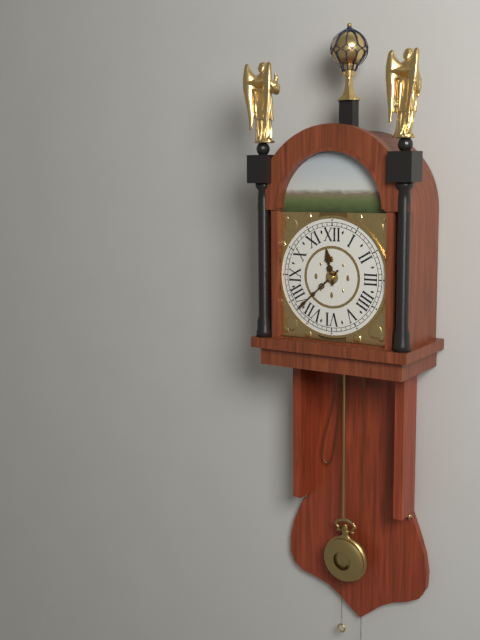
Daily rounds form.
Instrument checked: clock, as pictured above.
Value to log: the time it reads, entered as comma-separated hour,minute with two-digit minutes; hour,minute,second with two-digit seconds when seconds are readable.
11,38
